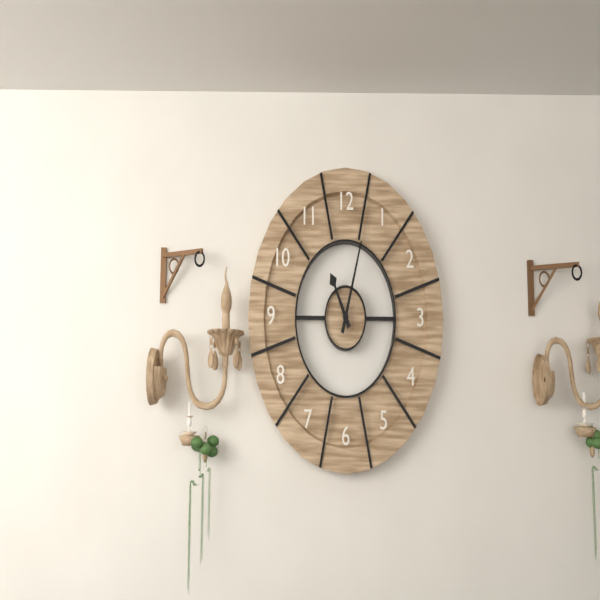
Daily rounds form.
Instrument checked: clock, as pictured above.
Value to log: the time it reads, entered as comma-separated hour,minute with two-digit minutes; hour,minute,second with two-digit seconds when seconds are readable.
11,03
